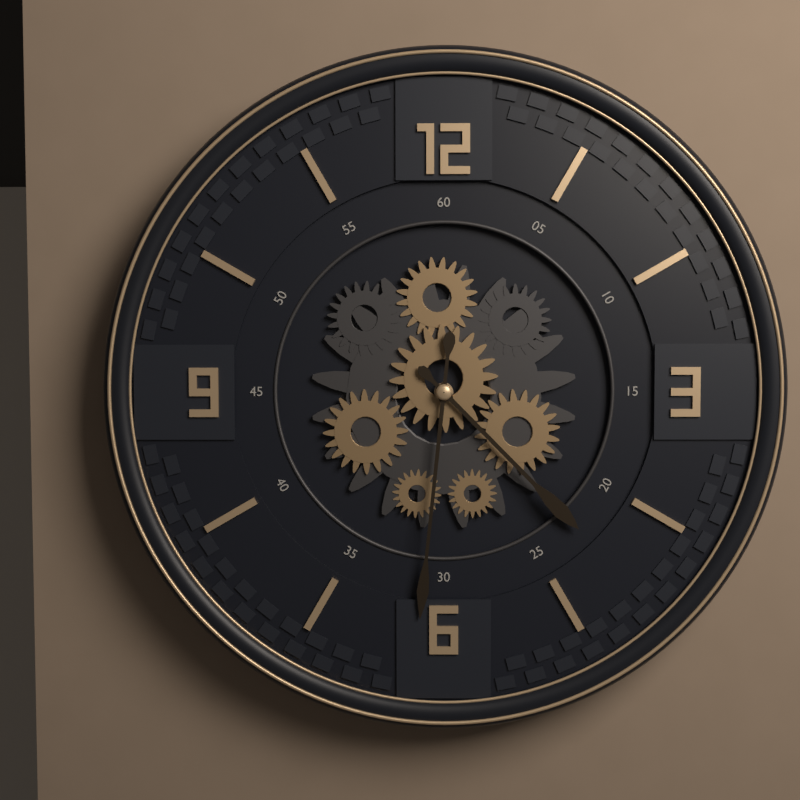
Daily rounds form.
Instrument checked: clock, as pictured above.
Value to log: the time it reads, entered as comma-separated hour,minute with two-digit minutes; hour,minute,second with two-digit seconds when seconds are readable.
4,31
